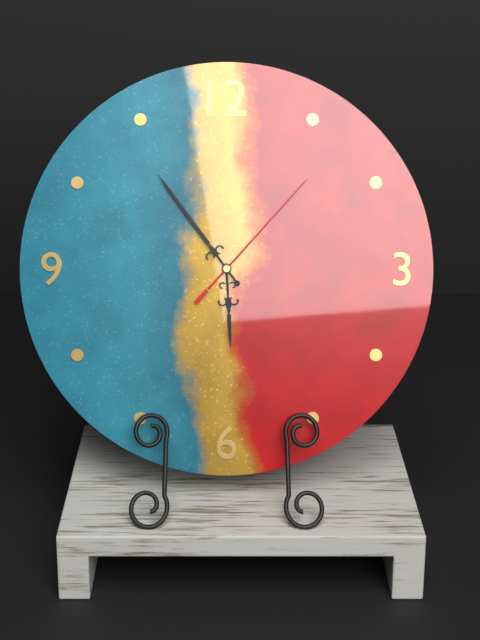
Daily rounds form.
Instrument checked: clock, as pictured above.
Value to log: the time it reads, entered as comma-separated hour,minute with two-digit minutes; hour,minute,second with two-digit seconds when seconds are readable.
5,54,07
